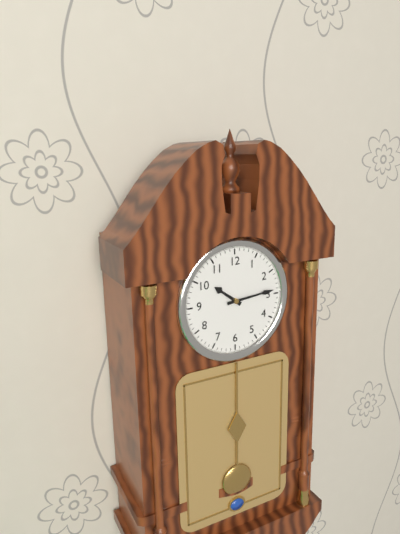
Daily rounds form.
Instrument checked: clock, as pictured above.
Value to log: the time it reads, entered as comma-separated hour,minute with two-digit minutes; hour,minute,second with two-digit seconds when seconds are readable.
10,14
